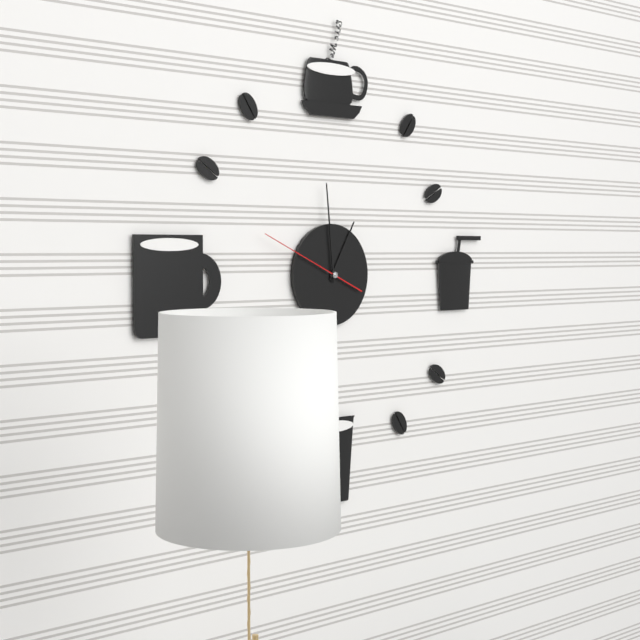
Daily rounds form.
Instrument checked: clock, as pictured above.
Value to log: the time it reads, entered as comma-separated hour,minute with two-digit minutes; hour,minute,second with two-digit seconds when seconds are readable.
12,59,49
